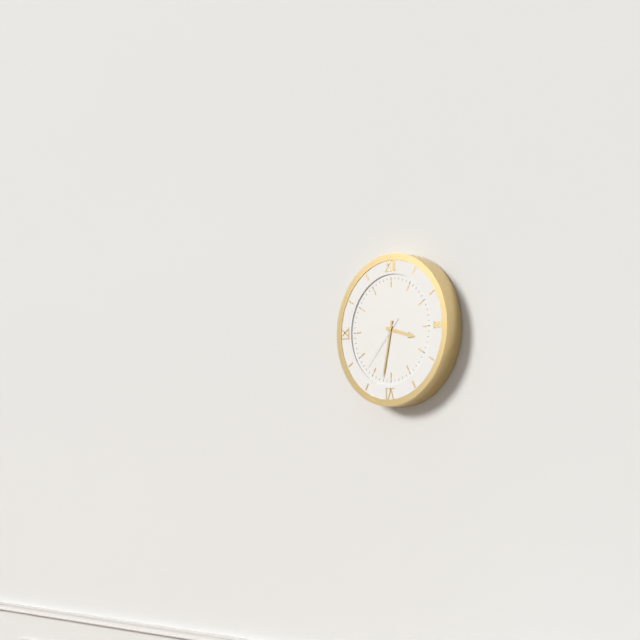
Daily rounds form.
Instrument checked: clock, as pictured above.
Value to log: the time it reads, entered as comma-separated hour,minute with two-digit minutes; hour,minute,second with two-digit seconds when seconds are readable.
3,32,37
